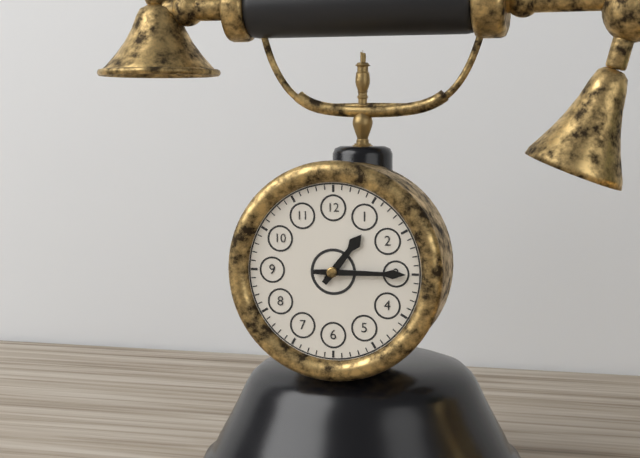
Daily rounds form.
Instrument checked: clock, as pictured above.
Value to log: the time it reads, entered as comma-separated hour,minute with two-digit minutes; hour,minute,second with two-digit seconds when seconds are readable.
1,15
